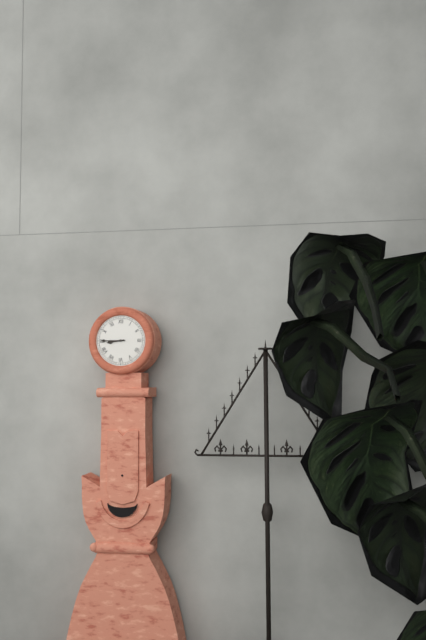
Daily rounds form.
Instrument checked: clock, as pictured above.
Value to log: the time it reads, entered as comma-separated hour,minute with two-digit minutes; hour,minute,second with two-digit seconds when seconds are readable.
8,45
